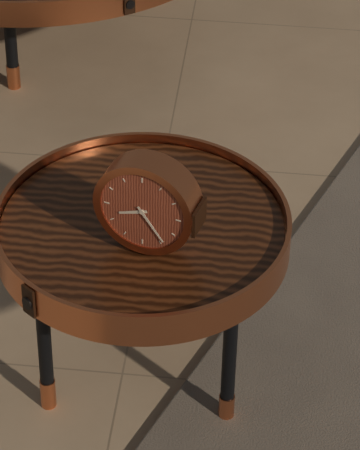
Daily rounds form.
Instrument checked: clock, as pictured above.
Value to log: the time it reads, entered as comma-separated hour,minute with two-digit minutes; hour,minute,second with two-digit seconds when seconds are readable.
8,24
